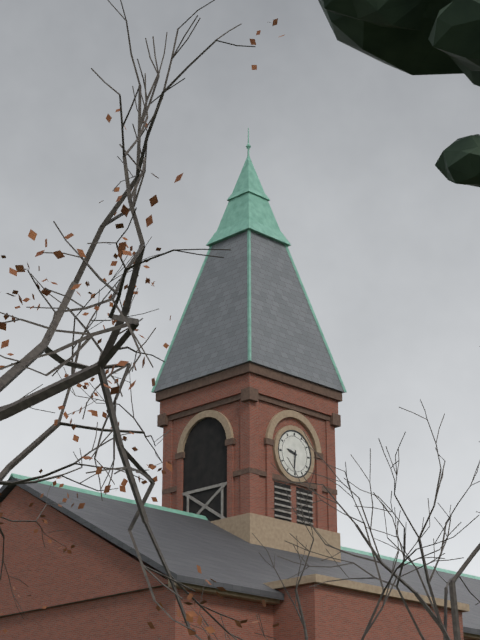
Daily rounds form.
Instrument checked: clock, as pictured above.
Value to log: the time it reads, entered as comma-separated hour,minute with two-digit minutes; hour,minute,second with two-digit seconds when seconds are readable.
9,31
